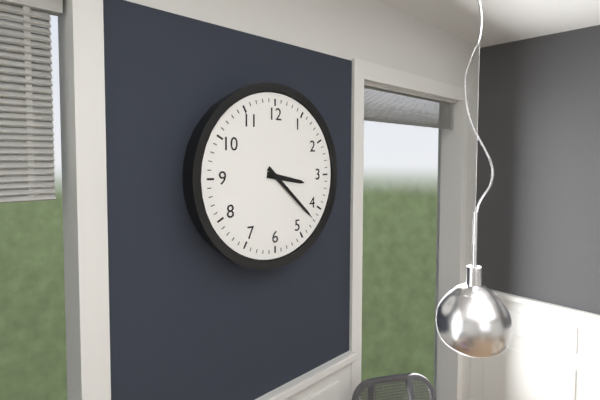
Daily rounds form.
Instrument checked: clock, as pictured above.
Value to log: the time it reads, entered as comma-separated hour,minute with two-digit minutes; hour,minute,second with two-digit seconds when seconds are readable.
3,22
